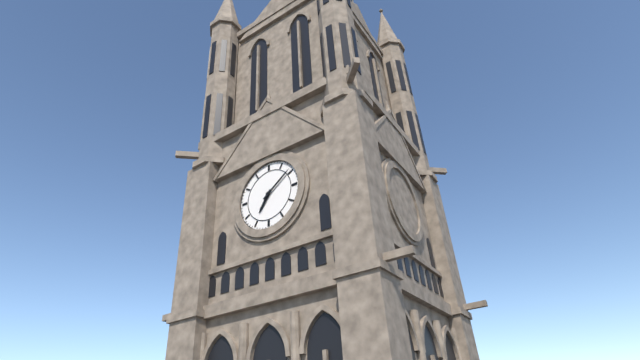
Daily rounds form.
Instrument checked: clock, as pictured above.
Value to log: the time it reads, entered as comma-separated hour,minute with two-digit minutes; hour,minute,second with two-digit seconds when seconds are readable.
7,09
